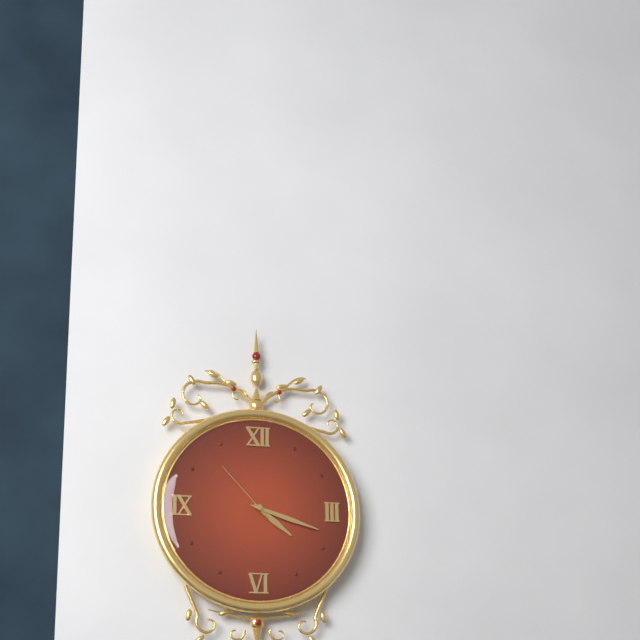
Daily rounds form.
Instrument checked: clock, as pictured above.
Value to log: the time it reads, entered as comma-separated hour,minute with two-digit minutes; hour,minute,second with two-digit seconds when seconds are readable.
4,18,53
